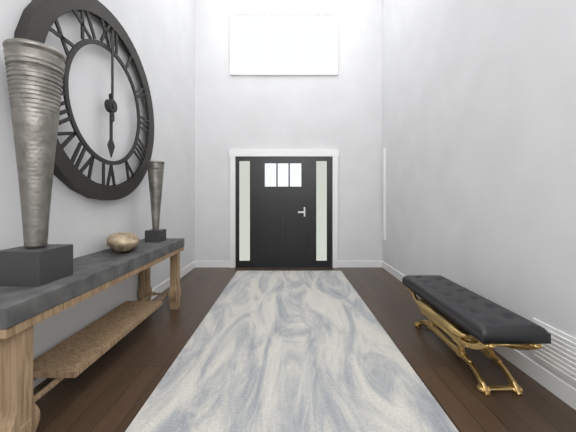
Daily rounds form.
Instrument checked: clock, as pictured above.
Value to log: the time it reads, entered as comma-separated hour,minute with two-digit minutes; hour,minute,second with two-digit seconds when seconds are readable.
6,00
